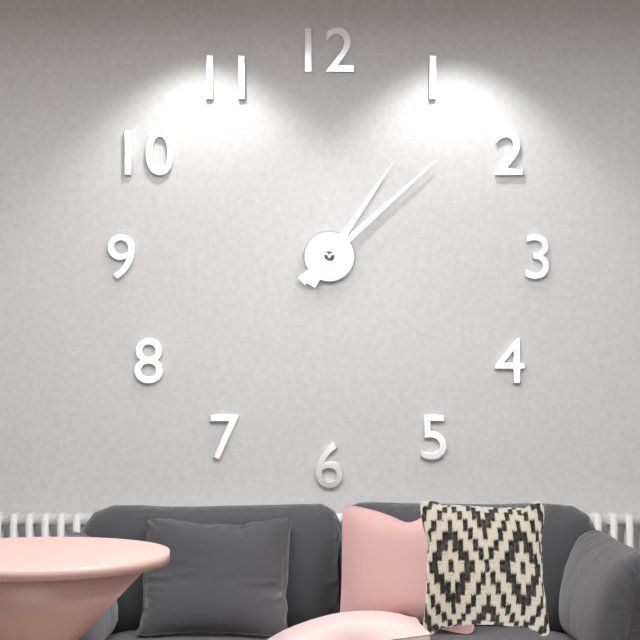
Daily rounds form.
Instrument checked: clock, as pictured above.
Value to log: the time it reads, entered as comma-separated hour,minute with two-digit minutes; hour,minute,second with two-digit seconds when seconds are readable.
1,08
